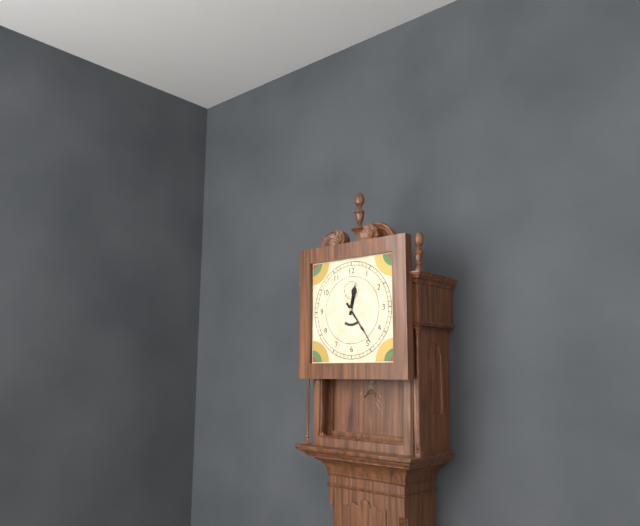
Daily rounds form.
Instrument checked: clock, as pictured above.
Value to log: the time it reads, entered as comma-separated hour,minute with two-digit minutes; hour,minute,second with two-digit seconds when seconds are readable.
12,24
